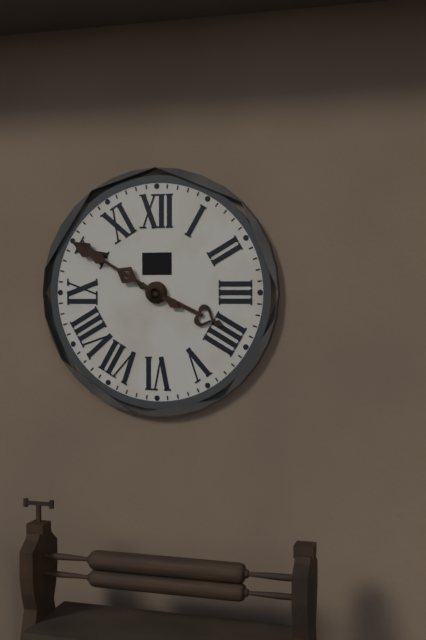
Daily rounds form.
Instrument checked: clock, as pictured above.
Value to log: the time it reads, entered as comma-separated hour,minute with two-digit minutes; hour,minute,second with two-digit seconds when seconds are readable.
3,50
